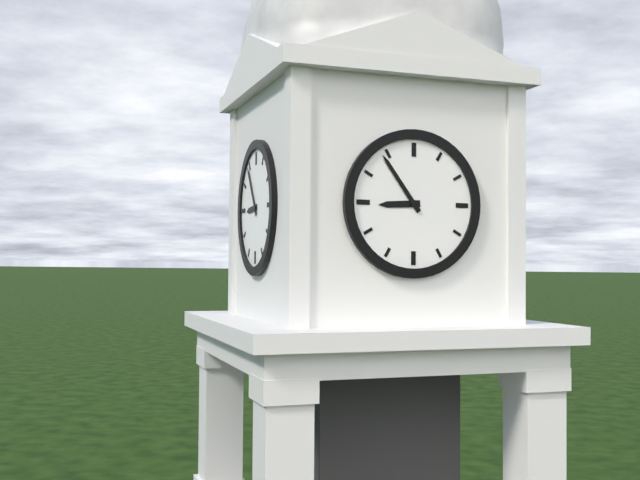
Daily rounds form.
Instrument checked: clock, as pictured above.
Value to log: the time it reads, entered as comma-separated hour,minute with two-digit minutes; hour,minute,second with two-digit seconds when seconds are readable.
8,54
